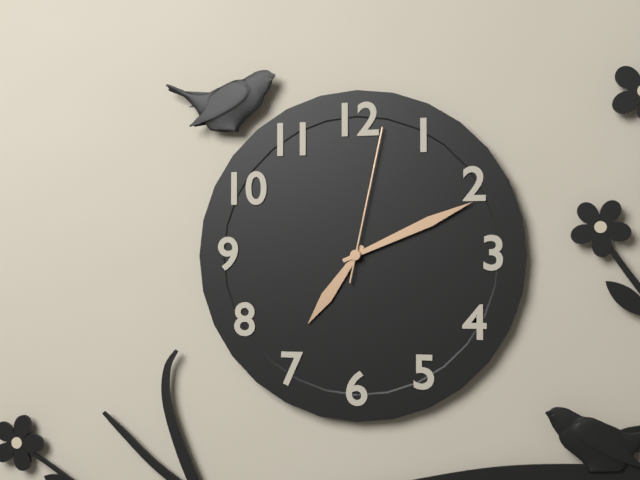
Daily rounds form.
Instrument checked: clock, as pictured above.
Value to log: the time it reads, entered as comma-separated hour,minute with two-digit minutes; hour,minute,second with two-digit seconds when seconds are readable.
7,11,02
